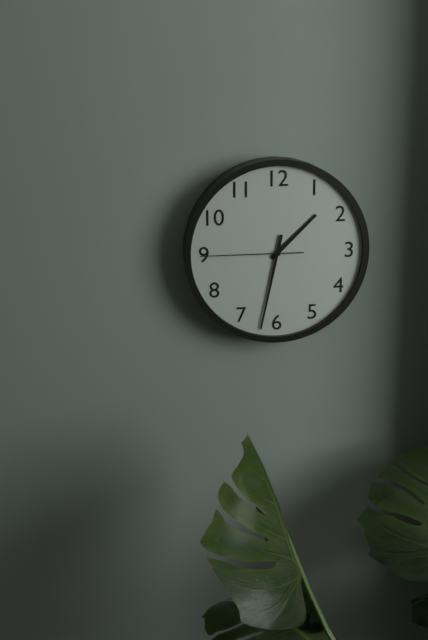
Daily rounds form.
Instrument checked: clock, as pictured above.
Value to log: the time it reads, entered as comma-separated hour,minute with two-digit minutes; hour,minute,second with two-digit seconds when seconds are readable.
1,32,45
